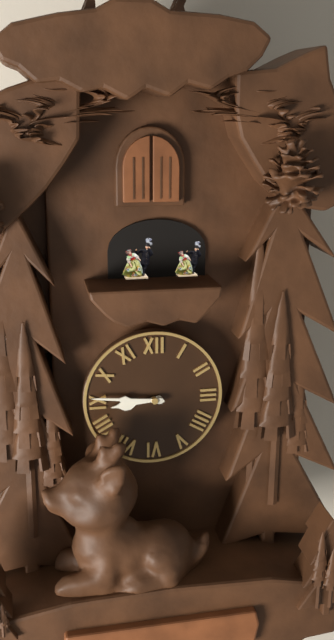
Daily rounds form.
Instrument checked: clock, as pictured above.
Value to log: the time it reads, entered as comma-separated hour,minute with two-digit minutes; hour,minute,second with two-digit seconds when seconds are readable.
8,46
